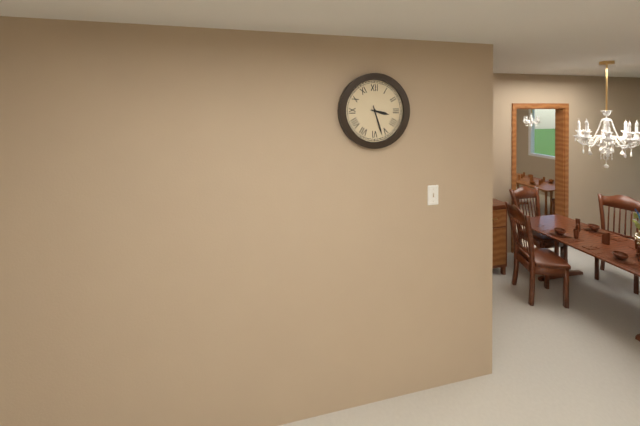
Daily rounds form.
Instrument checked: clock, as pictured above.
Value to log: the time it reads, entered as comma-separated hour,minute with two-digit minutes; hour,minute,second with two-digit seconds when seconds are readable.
3,27
